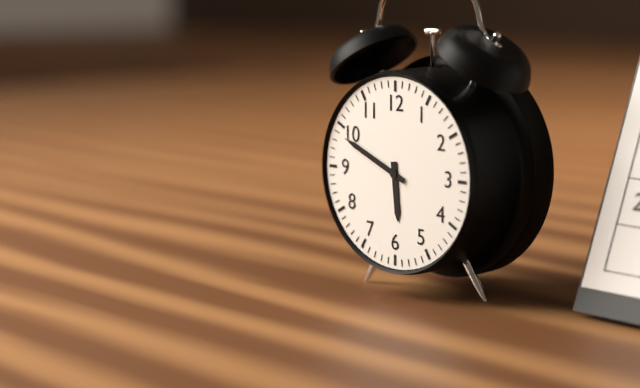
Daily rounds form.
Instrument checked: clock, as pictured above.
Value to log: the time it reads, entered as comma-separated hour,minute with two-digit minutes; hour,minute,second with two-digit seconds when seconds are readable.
5,49
